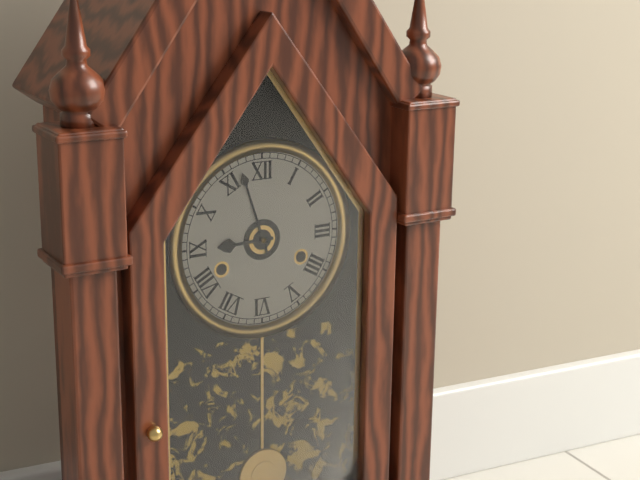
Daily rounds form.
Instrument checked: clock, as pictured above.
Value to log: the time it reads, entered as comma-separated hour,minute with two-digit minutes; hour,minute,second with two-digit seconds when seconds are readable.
8,57
